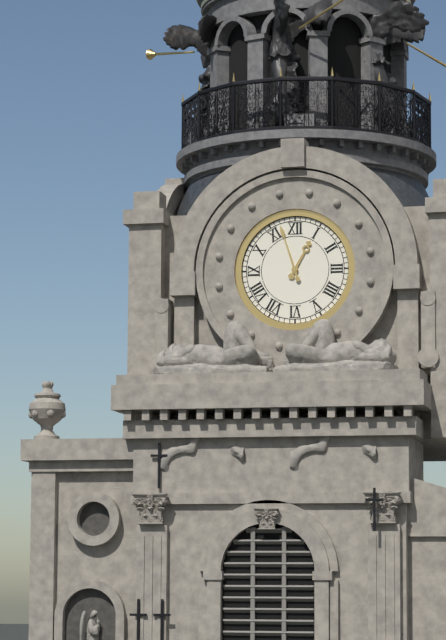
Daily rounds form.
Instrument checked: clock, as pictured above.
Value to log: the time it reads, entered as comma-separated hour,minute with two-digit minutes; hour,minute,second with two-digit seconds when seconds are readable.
12,57
